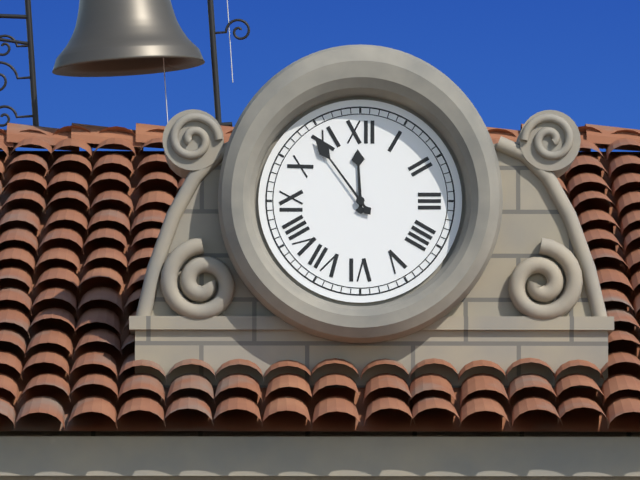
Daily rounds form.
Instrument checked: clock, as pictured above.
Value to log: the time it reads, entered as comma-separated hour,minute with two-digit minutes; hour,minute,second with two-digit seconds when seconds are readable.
11,54
